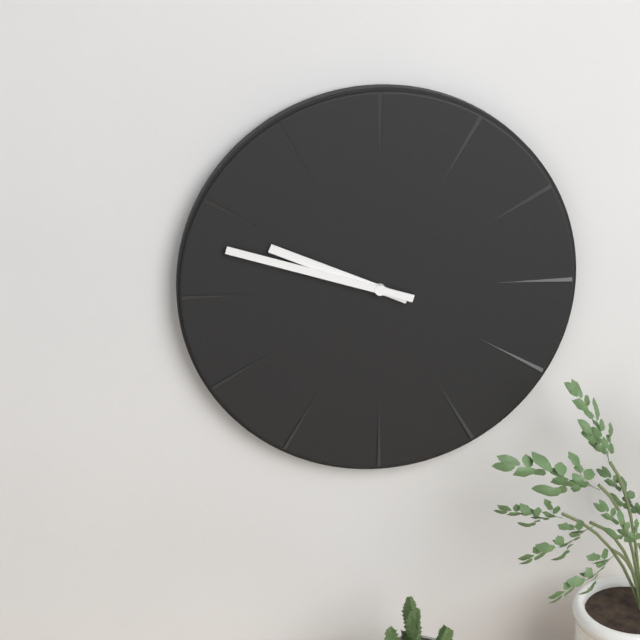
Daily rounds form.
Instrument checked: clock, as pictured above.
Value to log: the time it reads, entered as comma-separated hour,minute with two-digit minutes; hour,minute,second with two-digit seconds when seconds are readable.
9,48
